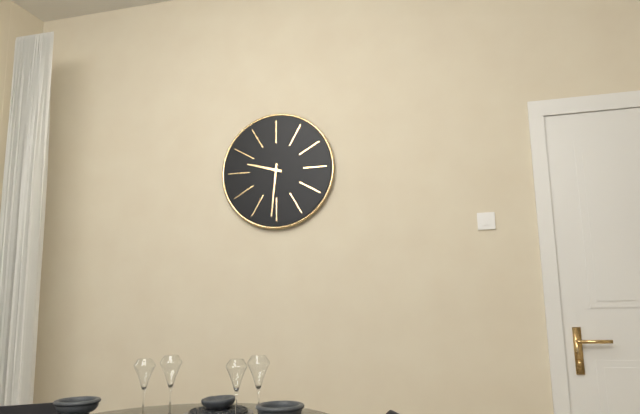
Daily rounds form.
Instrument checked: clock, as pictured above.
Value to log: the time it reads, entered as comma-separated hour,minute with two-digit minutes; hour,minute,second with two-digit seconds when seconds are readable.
9,31
